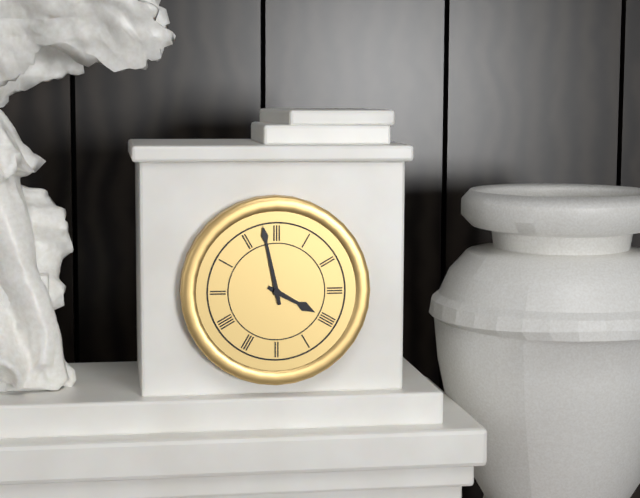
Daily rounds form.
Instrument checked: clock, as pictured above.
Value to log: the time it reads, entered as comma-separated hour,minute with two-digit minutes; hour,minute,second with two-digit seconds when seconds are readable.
3,58
